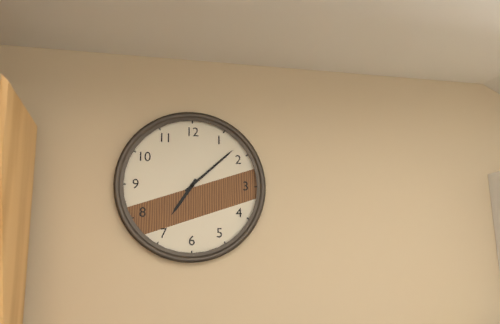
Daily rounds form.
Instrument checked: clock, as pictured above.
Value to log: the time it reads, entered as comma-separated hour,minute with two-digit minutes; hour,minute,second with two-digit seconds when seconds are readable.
7,08
